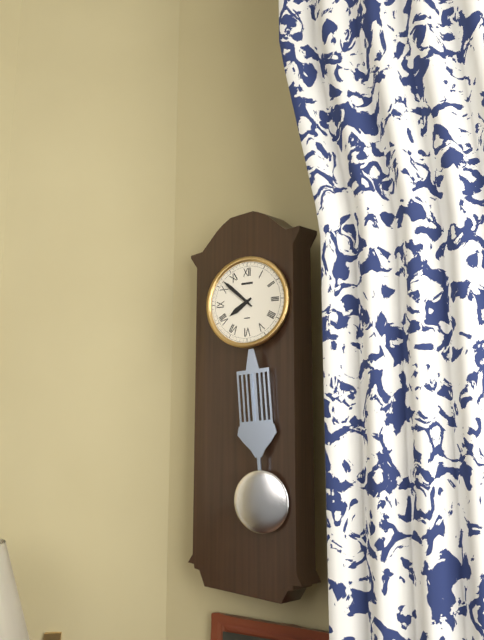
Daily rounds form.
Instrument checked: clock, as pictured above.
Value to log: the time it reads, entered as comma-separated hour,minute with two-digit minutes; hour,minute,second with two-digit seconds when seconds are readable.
7,52
